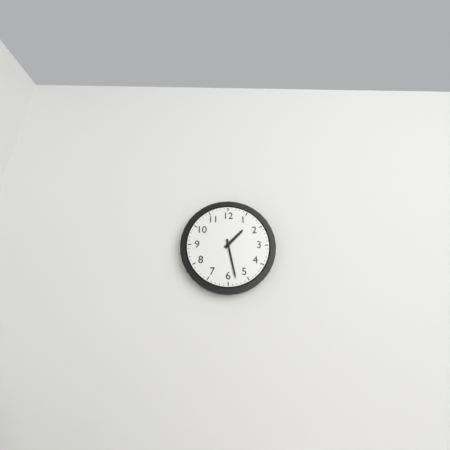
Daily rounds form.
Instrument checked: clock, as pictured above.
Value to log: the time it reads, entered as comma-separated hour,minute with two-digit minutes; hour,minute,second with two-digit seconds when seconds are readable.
1,28
